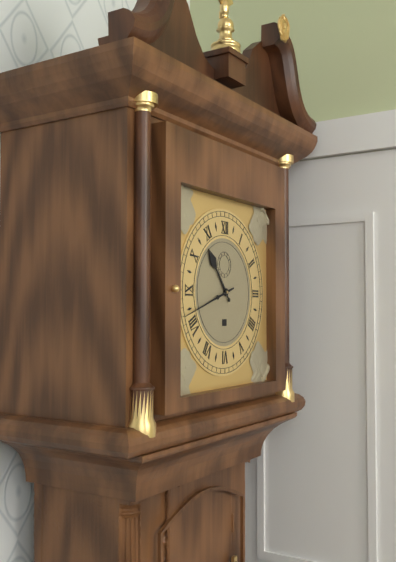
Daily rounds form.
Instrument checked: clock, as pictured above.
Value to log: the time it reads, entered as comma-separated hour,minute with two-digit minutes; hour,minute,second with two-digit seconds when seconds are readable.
10,42
